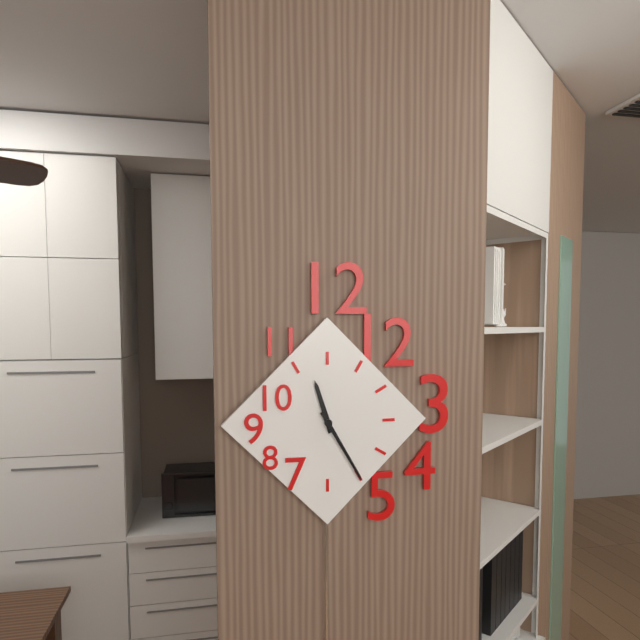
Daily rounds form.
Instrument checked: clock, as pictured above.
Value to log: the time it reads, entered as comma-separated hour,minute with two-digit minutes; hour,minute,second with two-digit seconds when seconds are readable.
11,25
